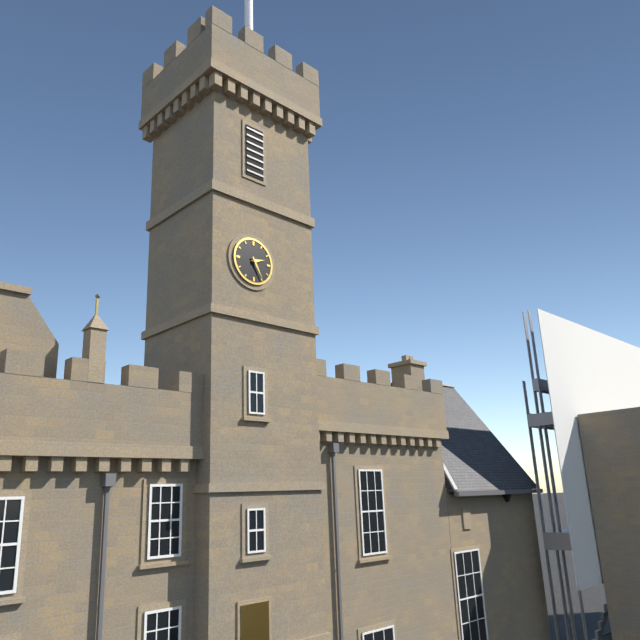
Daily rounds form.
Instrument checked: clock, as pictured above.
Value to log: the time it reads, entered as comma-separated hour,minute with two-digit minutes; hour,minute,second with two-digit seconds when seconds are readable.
2,25
